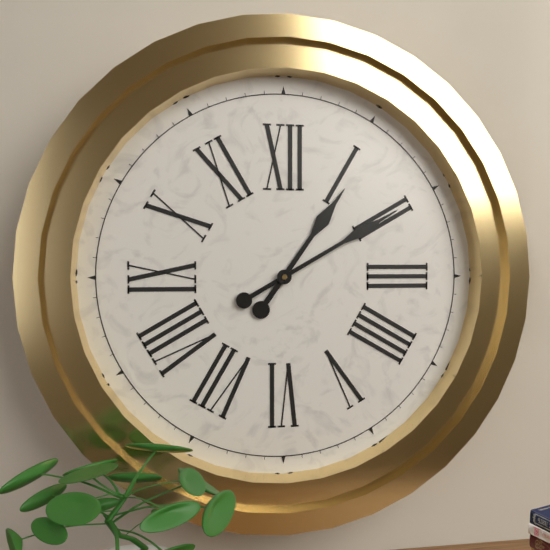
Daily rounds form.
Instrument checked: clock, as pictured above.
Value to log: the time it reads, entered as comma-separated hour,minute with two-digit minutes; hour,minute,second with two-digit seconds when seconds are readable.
1,10
